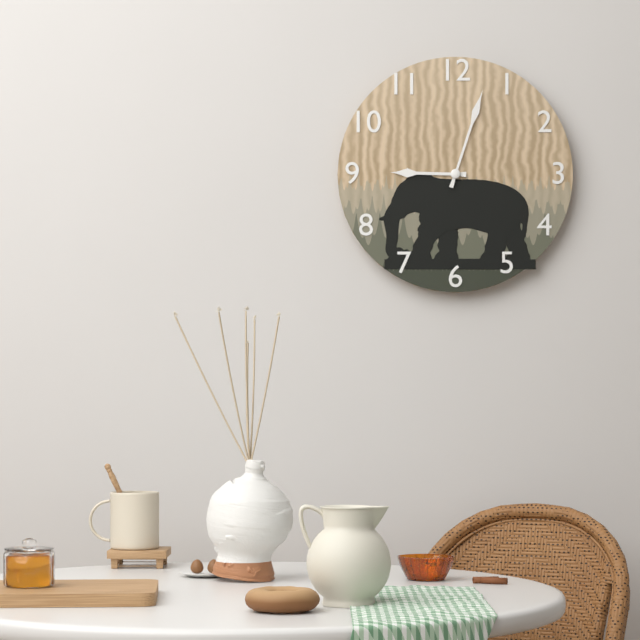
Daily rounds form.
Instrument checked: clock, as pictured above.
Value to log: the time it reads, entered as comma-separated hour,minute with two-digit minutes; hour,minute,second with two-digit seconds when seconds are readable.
9,03
